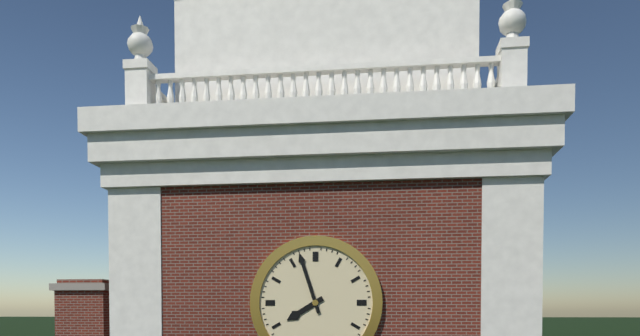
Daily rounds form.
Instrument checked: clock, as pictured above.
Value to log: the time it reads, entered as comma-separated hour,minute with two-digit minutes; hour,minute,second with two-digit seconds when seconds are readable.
7,57
